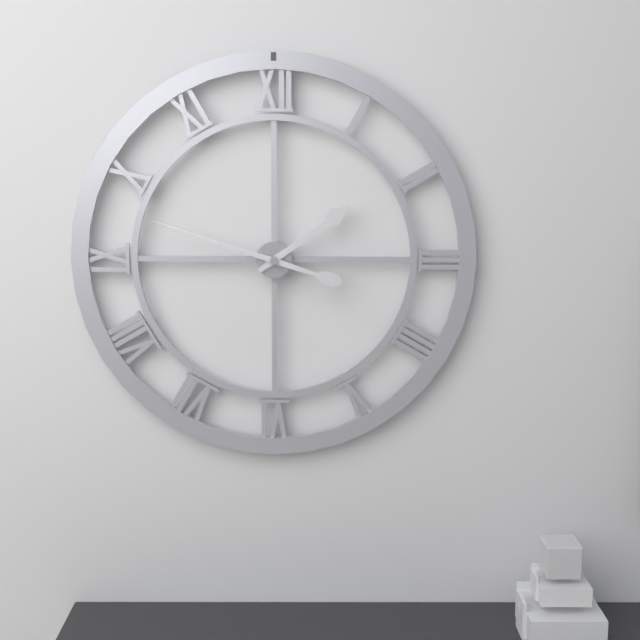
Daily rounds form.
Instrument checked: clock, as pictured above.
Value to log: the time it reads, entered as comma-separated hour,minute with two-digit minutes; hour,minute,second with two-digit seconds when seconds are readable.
1,48
